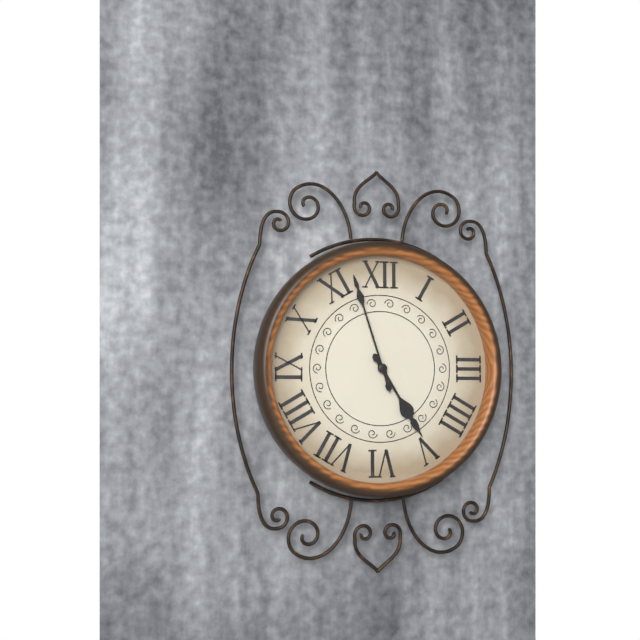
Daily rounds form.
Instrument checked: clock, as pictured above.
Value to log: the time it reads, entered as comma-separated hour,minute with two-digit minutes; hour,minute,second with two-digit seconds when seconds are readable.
4,57
